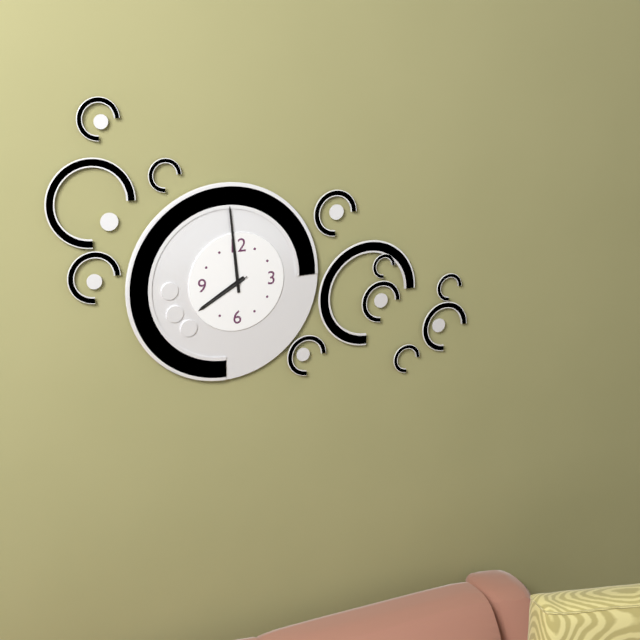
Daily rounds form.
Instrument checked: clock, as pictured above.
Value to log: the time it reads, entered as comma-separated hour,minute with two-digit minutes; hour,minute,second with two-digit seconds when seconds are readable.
7,59
